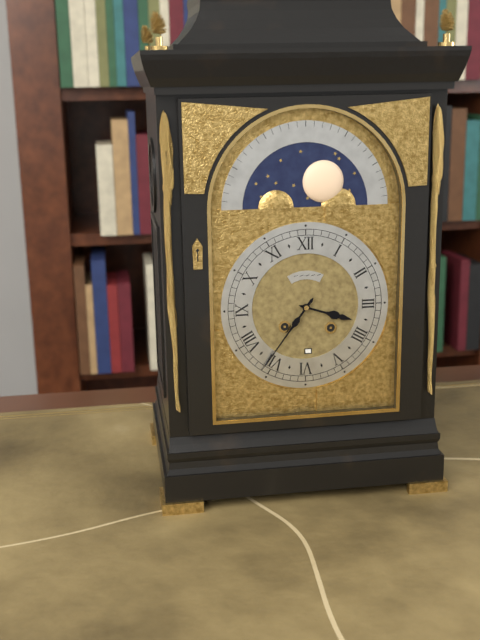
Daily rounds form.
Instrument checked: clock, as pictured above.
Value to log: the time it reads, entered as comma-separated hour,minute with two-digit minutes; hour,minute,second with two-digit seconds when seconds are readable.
3,36
